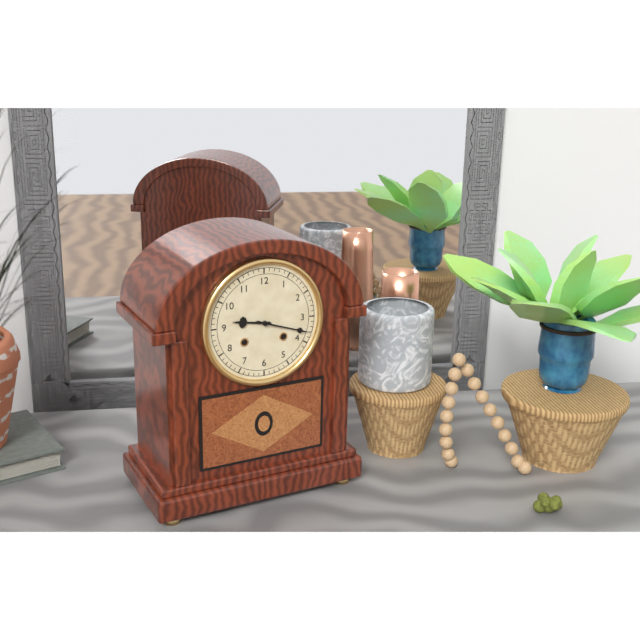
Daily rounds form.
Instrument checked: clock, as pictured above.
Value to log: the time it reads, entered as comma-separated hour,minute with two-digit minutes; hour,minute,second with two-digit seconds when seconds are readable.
9,18
